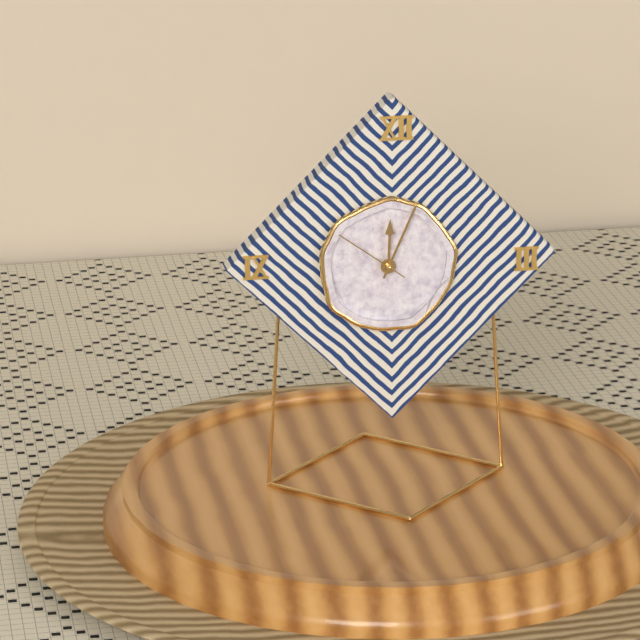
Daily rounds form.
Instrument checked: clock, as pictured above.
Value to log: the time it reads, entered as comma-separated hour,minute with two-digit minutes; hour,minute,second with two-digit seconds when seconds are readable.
12,04,51
